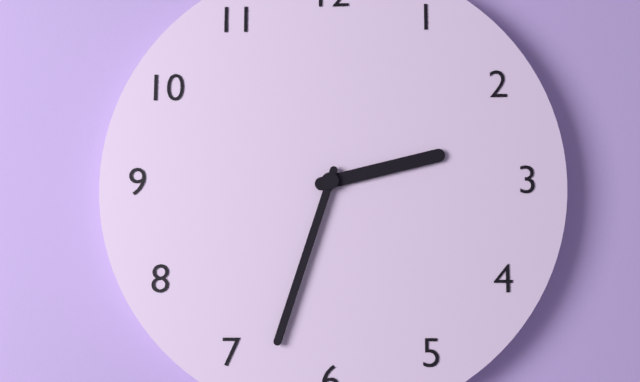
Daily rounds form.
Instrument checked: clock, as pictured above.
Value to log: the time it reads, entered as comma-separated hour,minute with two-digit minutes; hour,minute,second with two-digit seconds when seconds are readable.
2,33
